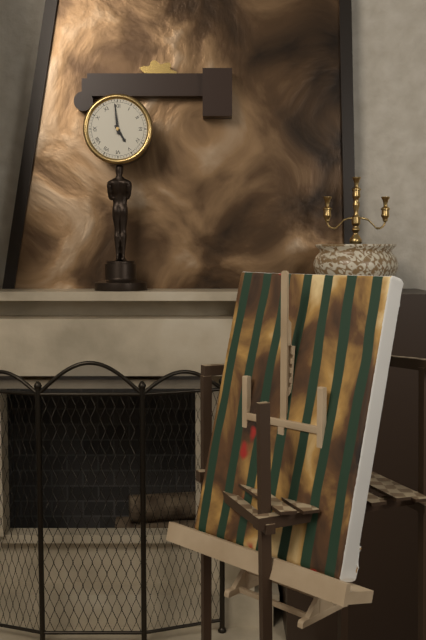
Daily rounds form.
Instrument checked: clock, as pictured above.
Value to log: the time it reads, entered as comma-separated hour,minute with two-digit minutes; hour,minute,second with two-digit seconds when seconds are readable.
4,59
